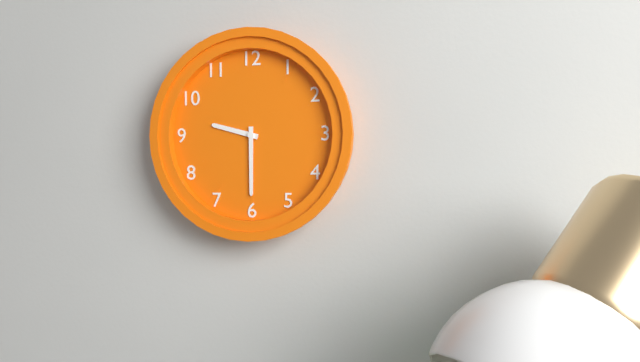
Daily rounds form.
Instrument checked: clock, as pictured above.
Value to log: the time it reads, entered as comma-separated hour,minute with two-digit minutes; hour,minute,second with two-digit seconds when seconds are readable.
9,30
